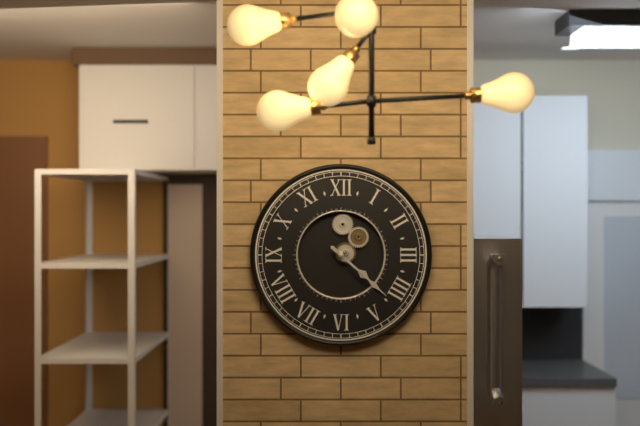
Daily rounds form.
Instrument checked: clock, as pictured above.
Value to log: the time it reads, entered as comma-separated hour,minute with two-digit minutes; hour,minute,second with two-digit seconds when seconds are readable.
4,22
